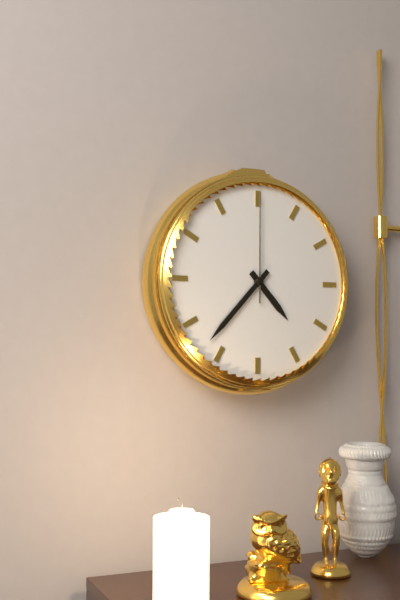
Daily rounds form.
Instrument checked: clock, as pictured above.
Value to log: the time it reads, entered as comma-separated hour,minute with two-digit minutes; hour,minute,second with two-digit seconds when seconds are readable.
4,37,00
